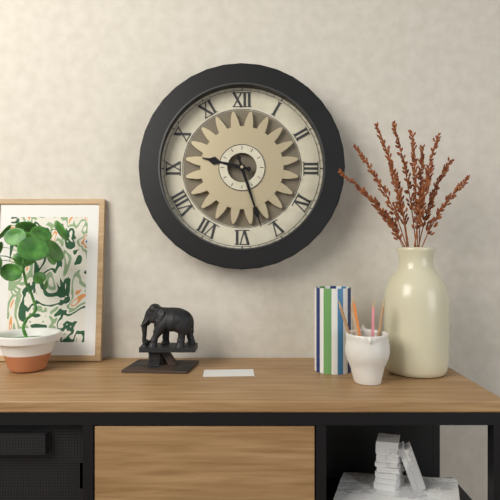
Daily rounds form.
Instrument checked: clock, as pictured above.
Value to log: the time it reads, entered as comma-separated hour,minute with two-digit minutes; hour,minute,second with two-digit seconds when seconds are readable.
9,27
